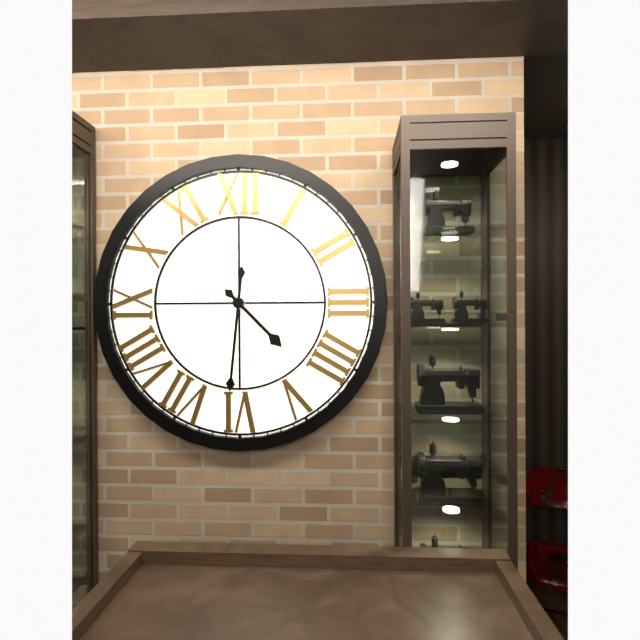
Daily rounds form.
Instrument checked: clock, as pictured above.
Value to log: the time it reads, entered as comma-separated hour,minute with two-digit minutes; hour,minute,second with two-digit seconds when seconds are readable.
4,31
